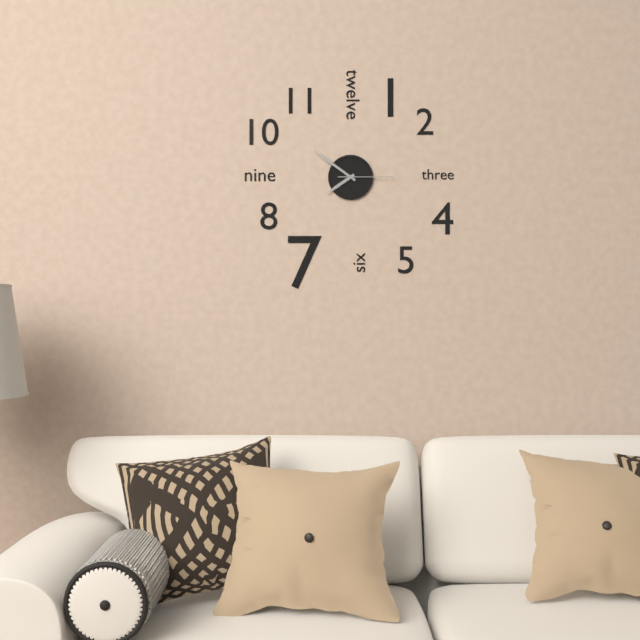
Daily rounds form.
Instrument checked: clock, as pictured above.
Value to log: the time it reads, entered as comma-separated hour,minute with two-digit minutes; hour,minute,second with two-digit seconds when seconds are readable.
7,51,15
